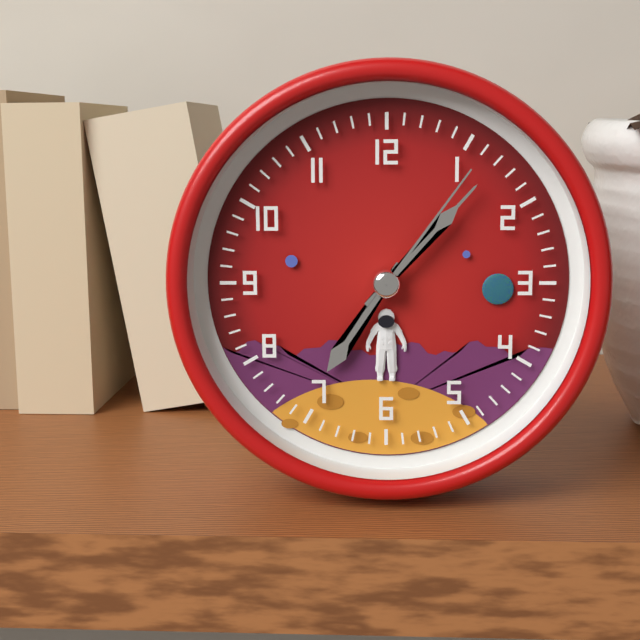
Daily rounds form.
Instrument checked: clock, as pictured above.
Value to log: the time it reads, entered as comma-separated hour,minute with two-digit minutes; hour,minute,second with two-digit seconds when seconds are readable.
7,07,06
